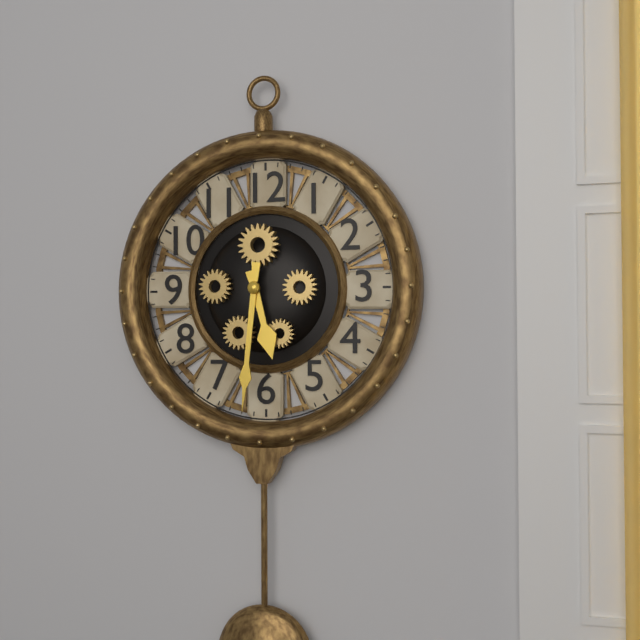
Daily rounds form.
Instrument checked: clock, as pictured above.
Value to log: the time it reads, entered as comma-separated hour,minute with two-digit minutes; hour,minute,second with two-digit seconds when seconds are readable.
5,31
